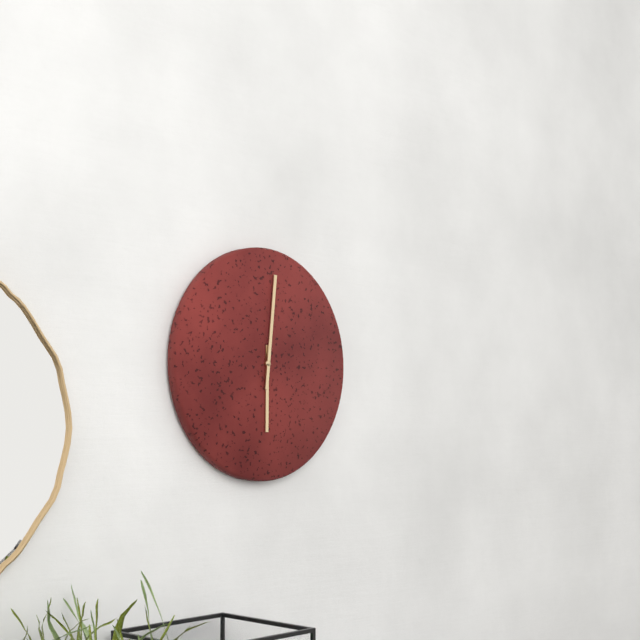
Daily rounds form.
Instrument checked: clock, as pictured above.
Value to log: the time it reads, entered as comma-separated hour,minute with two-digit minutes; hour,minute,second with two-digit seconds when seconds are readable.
6,01
